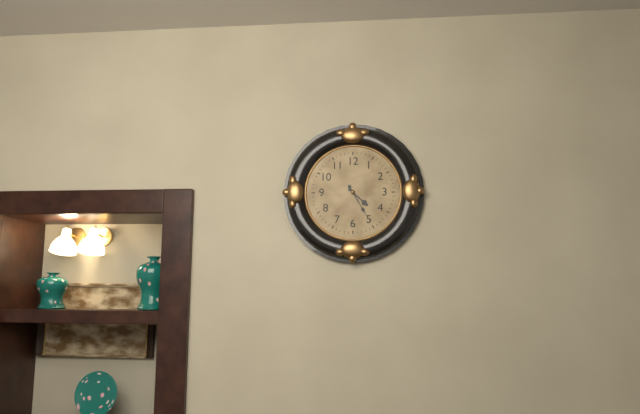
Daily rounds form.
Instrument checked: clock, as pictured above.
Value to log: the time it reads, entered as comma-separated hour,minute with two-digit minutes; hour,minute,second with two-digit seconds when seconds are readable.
4,25
